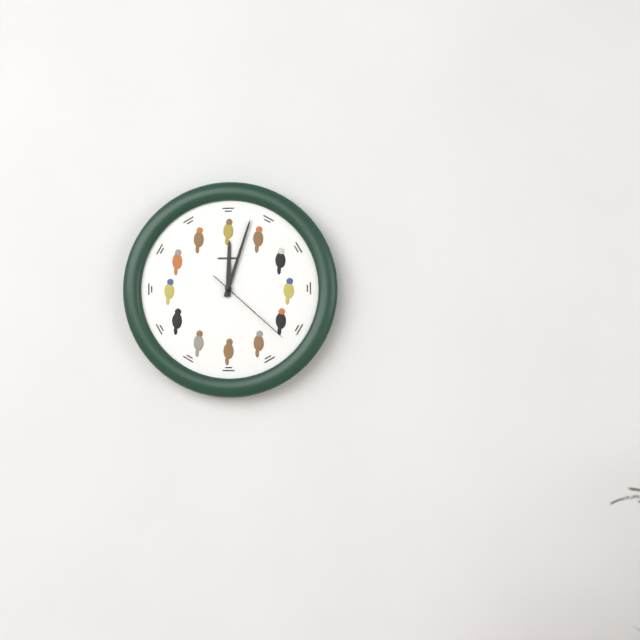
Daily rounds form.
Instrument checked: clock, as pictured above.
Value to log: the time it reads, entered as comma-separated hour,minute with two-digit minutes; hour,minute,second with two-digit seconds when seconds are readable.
12,03,22
